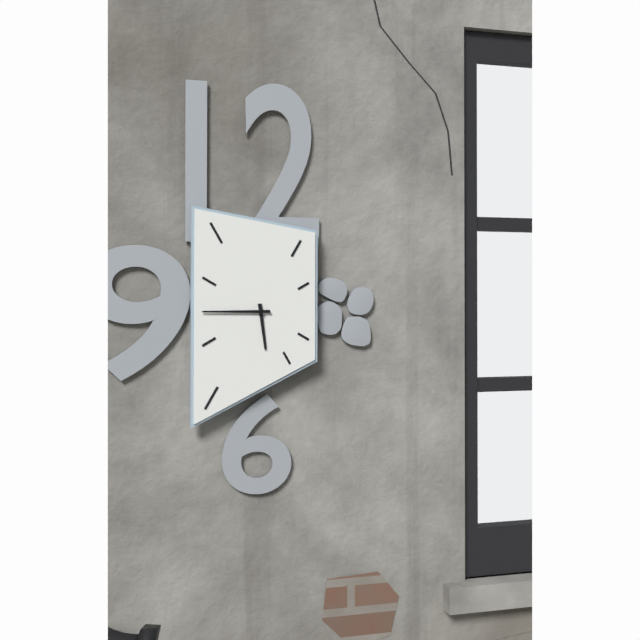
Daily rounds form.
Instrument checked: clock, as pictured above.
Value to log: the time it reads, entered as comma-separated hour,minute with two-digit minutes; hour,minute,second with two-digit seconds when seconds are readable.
5,45
